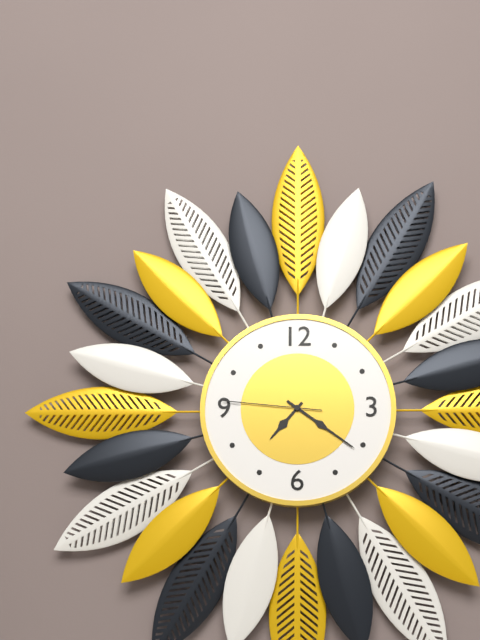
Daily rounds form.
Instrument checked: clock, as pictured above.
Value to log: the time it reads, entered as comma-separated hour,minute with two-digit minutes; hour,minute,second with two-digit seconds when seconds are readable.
7,21,46
